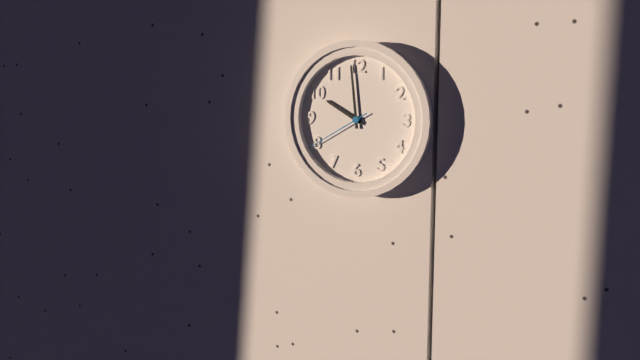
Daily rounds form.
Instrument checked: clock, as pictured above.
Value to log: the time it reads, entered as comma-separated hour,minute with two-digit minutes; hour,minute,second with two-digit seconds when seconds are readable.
9,59,40
